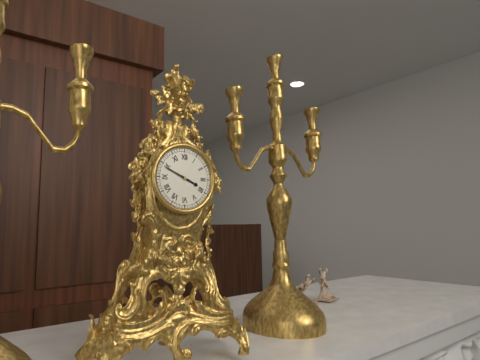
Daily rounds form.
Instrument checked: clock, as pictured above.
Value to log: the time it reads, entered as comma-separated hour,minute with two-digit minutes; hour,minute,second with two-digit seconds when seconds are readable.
3,49
